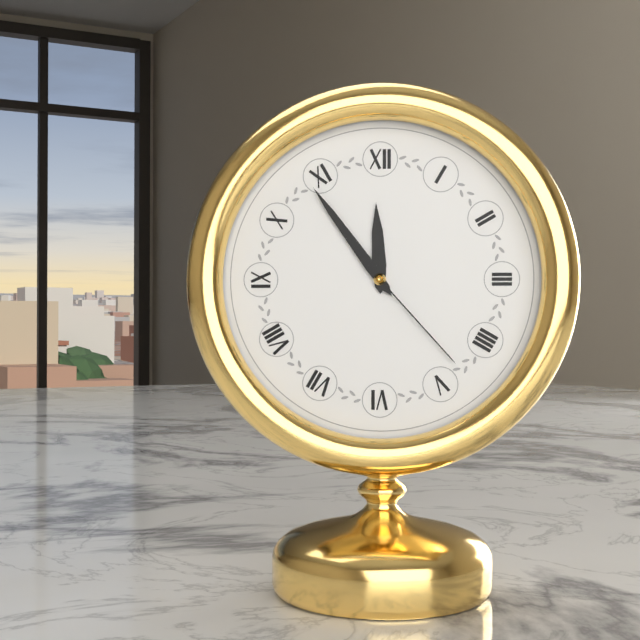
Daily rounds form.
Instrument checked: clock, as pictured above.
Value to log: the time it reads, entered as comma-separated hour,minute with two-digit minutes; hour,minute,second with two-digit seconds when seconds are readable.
11,54,23
